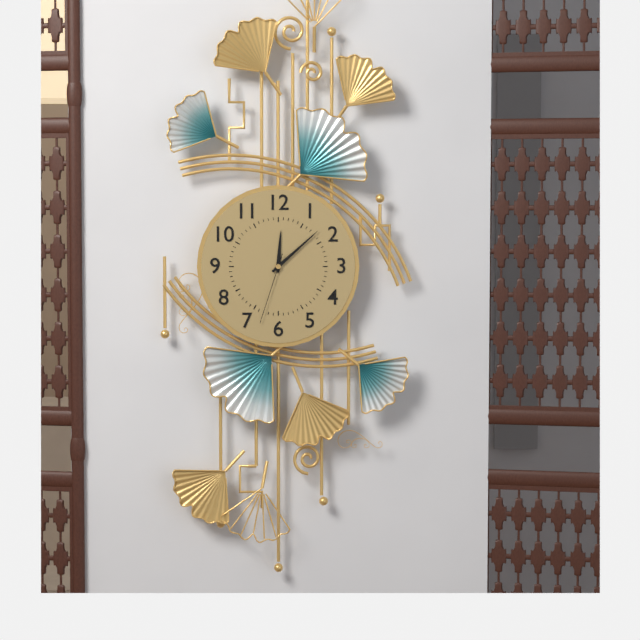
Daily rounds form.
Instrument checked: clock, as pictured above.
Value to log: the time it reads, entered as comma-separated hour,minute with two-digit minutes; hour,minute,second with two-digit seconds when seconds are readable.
12,08,33
